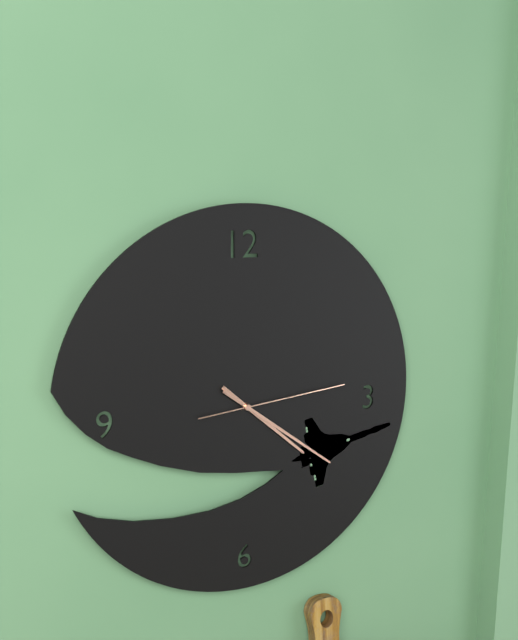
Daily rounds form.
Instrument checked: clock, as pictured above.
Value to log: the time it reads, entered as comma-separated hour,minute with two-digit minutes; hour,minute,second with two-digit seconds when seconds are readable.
4,21,14
